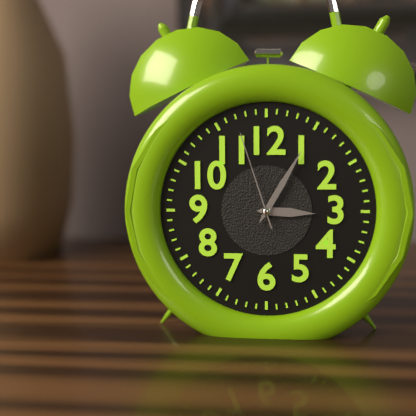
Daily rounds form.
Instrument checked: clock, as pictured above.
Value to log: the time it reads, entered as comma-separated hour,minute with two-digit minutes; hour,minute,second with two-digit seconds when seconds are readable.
3,05,57
